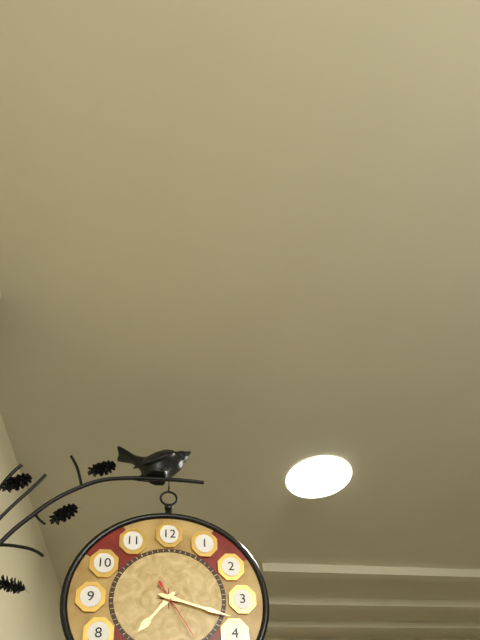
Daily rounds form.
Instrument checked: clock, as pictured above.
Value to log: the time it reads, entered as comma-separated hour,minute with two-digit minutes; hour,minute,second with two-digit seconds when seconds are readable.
7,18,25
